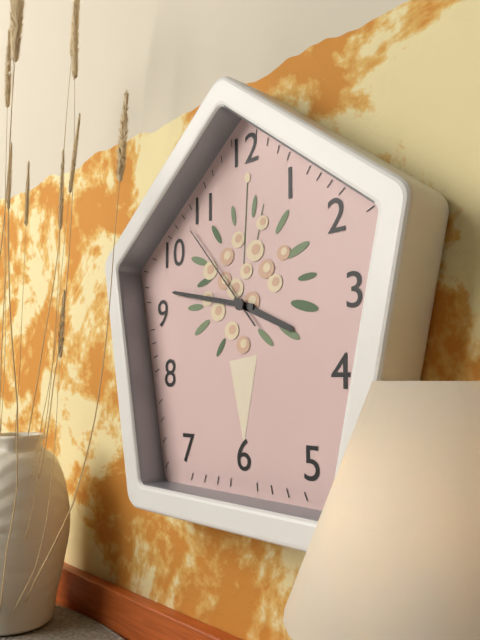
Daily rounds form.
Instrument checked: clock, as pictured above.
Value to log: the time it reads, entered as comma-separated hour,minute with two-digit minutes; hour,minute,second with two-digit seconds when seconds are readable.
3,47,53
